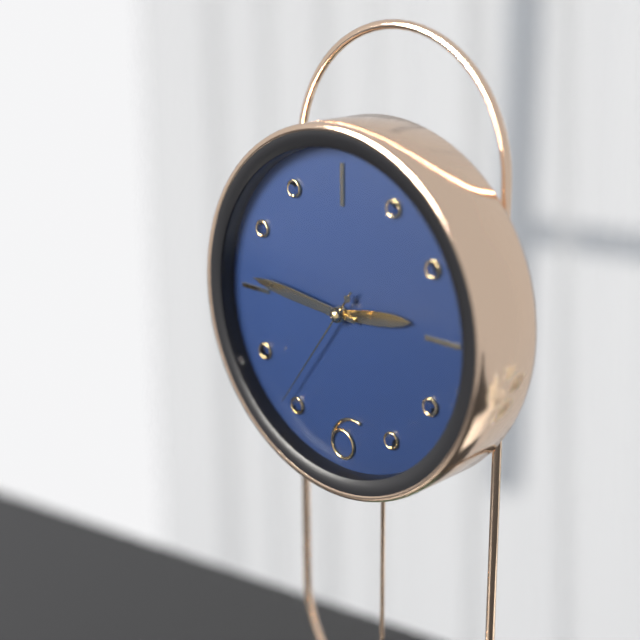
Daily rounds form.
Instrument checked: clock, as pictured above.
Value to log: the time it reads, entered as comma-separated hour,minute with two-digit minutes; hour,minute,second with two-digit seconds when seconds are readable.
2,46,36
